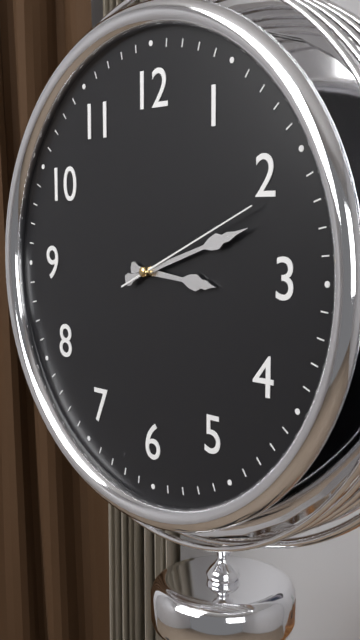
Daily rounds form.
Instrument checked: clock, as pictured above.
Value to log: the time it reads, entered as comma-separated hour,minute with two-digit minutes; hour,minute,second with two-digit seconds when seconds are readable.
3,12,11
